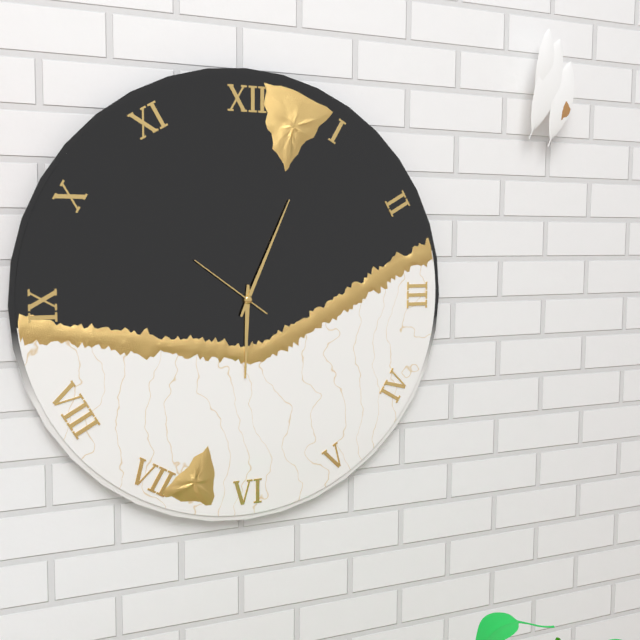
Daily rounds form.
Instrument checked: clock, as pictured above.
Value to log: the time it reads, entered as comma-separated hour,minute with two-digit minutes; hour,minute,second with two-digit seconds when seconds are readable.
6,04,51
